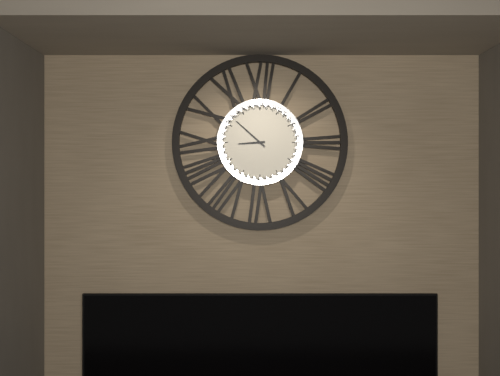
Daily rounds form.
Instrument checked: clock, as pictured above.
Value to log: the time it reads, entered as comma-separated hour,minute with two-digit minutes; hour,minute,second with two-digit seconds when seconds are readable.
8,52
